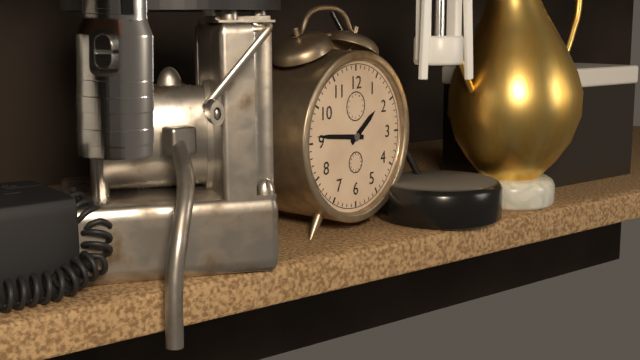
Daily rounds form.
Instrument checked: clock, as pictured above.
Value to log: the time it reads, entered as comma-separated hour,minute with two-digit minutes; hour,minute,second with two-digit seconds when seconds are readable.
1,46
